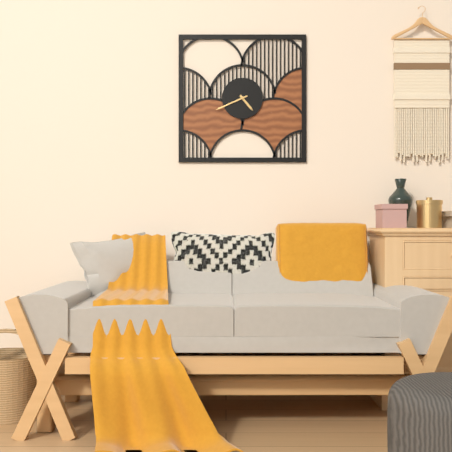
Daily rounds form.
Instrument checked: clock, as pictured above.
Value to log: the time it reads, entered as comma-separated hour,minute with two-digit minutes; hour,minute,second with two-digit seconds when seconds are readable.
4,41
